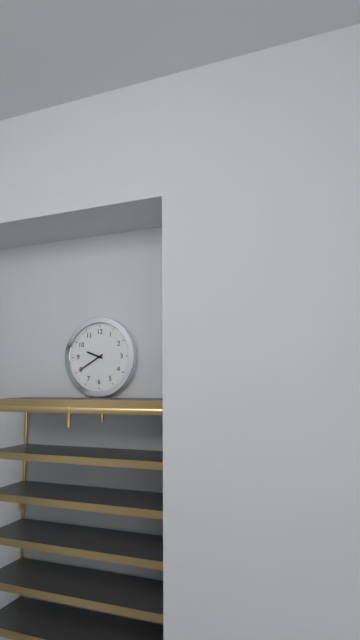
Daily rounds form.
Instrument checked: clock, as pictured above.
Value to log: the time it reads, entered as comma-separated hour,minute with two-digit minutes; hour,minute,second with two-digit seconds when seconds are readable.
9,40
